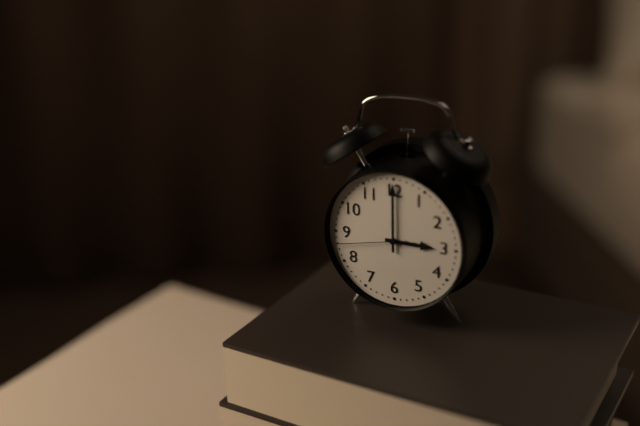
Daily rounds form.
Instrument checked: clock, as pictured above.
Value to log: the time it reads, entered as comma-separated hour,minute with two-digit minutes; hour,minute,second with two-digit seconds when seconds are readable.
3,00,43
